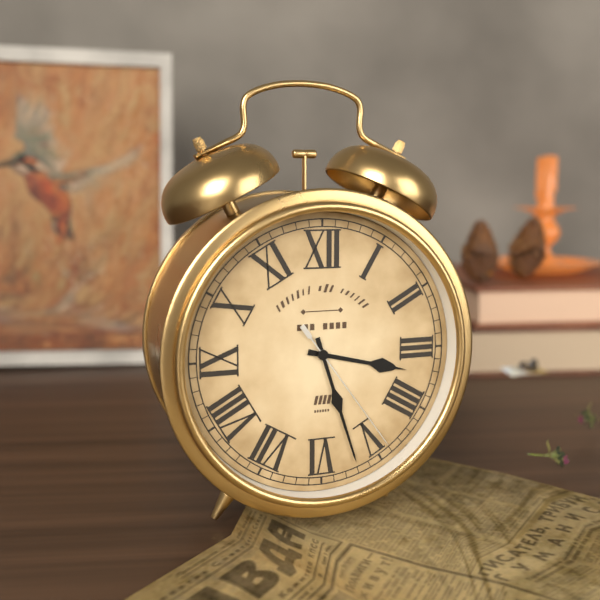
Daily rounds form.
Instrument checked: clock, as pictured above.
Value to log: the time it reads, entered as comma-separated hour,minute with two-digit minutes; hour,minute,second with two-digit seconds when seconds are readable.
3,27,24
